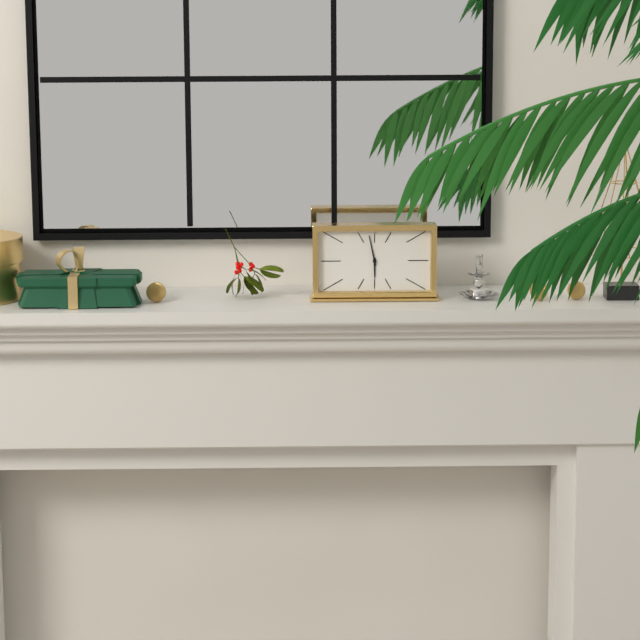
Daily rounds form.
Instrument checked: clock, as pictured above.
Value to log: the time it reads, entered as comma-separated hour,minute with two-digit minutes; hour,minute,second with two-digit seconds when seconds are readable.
5,58
